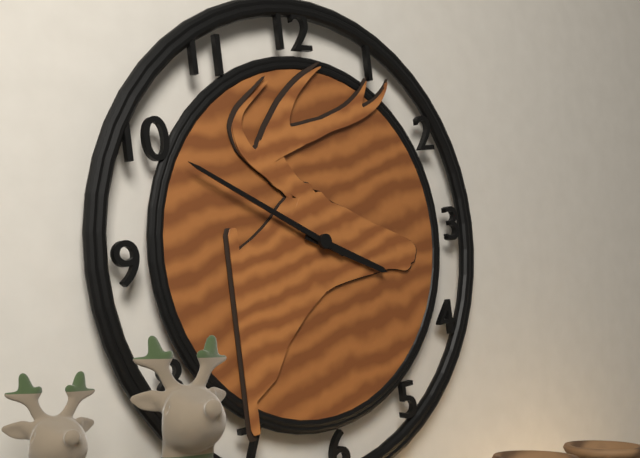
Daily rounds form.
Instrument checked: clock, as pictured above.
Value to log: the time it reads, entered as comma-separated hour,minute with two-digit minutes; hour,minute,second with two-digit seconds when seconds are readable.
3,50
